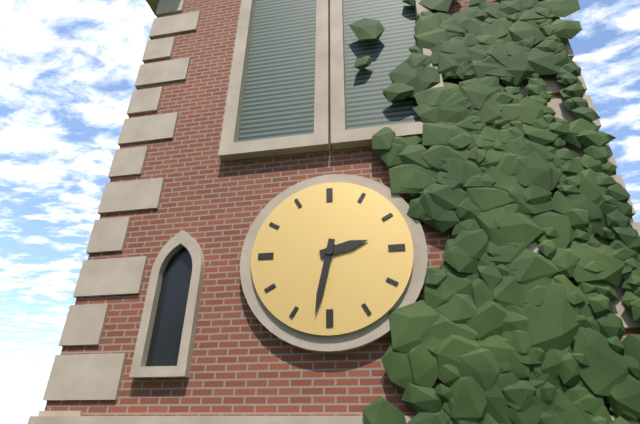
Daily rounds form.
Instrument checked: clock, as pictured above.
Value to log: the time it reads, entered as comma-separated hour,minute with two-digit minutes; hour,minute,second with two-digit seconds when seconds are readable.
2,32
